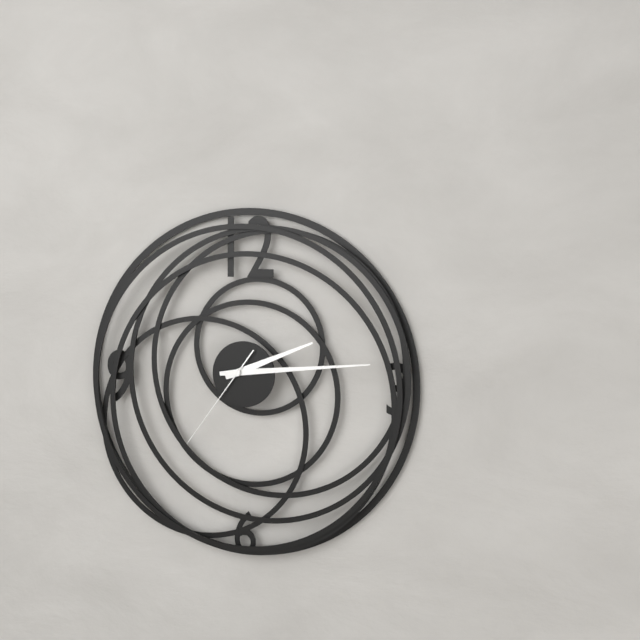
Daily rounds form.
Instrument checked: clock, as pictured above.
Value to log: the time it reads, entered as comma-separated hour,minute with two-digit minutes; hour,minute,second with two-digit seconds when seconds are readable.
2,14,36
